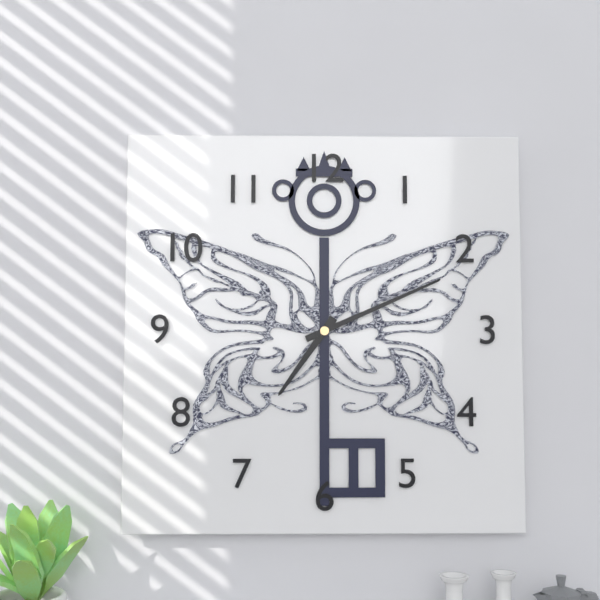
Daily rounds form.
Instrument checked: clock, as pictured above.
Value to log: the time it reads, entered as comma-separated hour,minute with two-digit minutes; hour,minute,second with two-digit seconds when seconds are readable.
7,11
